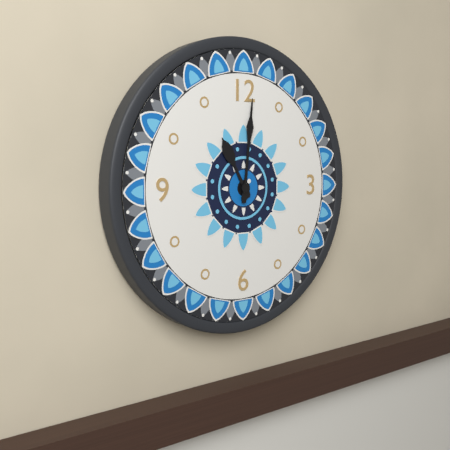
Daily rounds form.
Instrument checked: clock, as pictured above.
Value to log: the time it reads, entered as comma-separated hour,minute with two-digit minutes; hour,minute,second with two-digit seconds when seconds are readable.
11,01
